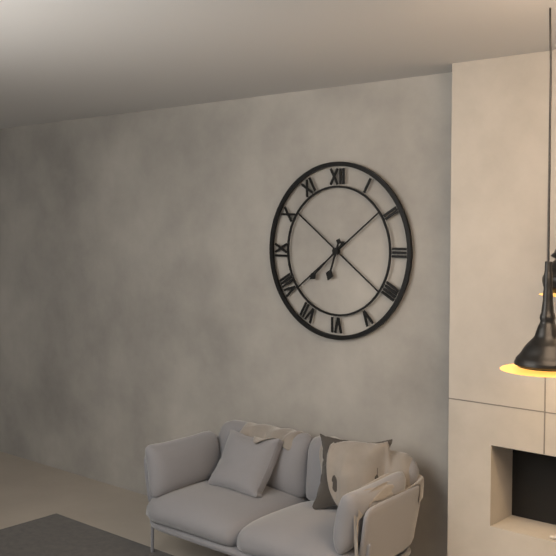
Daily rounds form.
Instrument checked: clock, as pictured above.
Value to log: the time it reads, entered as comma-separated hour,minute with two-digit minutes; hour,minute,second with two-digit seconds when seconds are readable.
6,38
